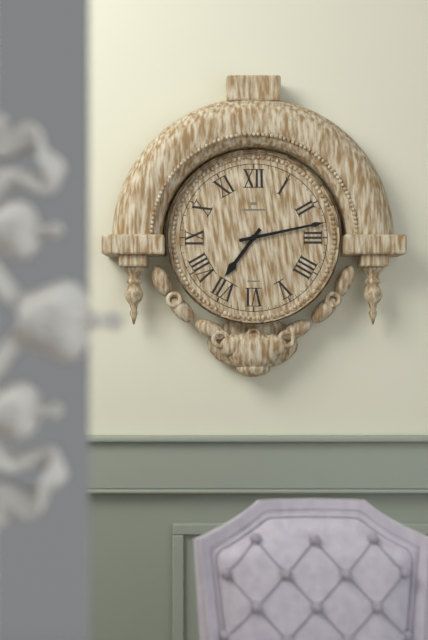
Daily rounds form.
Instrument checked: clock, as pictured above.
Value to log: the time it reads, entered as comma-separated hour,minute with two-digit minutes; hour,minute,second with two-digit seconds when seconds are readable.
7,13
